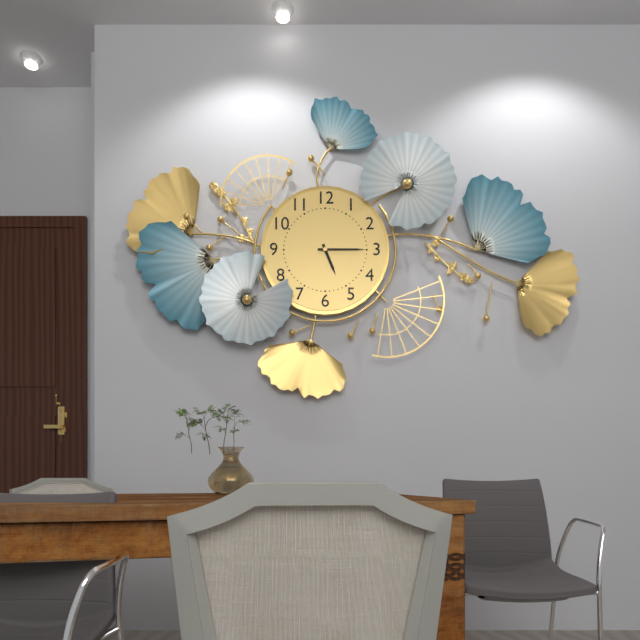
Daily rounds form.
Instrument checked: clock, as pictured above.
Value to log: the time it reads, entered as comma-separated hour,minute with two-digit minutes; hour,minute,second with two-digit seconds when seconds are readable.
5,15
